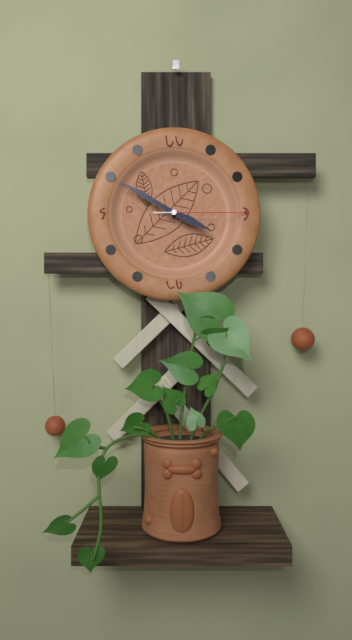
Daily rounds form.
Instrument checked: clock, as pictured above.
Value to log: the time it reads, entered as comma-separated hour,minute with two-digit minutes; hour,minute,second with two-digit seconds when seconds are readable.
3,50,15
